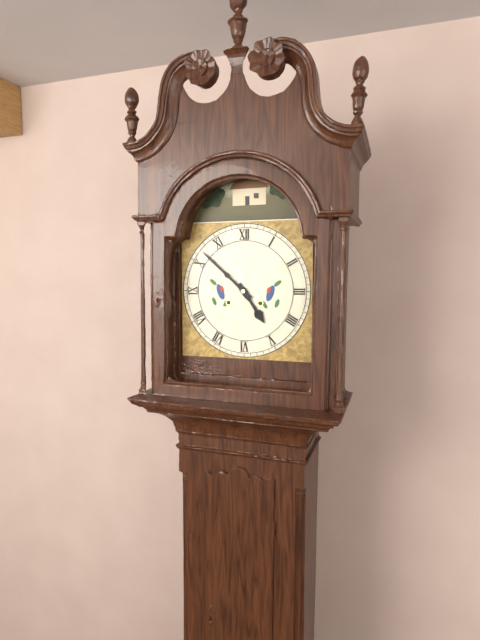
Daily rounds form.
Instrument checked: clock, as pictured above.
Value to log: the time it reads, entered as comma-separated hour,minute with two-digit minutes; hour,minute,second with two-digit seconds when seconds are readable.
4,52
